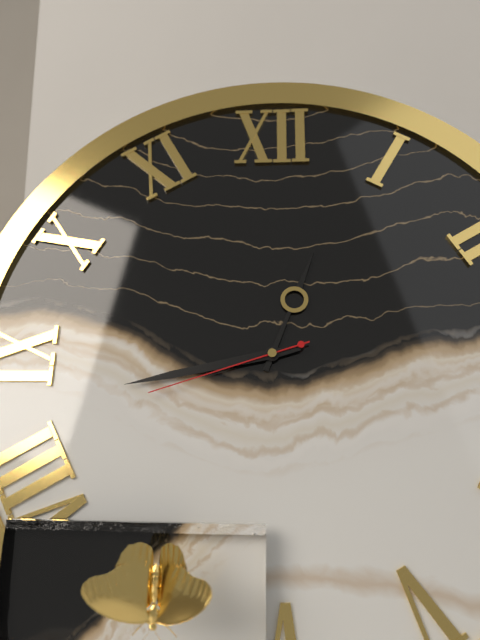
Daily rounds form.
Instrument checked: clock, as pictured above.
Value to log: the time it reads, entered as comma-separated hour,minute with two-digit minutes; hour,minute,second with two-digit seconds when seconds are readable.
12,43,42
